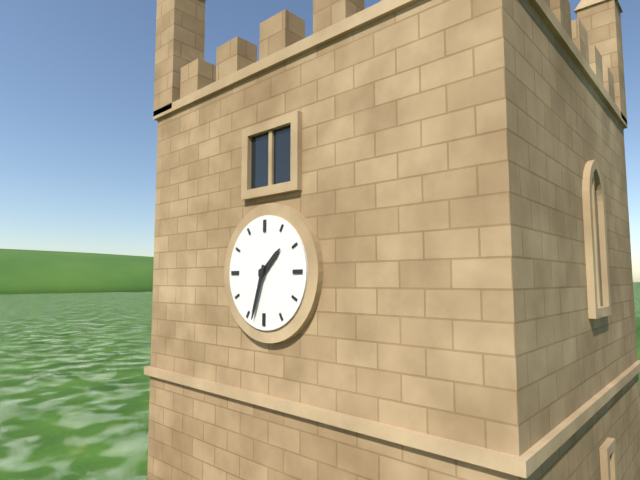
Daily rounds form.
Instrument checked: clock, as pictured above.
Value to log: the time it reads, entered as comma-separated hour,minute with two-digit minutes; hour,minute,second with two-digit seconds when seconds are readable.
1,33
